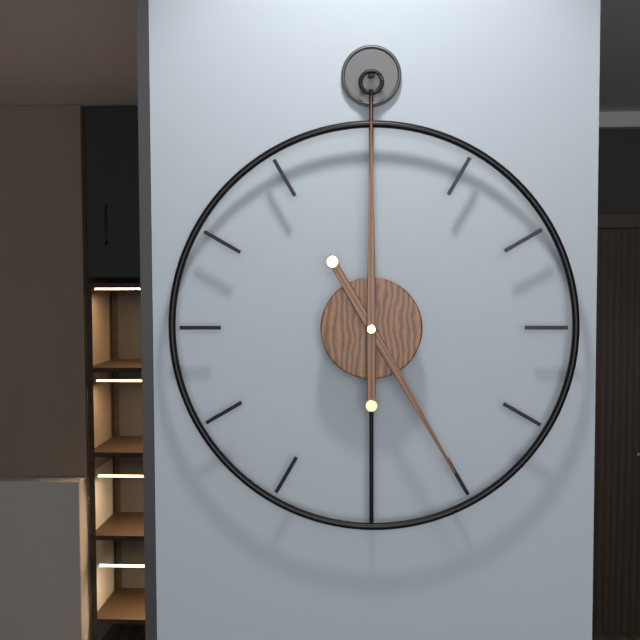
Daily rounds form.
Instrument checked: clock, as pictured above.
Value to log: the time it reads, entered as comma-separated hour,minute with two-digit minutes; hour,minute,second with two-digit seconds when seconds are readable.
5,00
